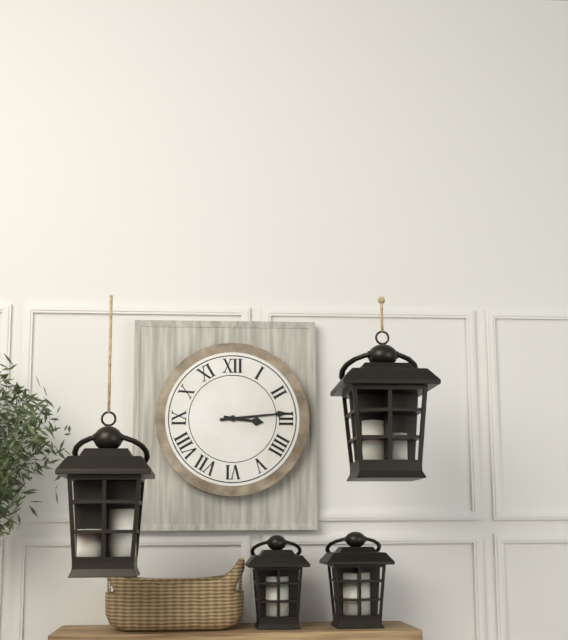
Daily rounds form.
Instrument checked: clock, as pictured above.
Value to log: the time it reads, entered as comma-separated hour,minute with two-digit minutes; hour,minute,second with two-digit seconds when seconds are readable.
3,14
